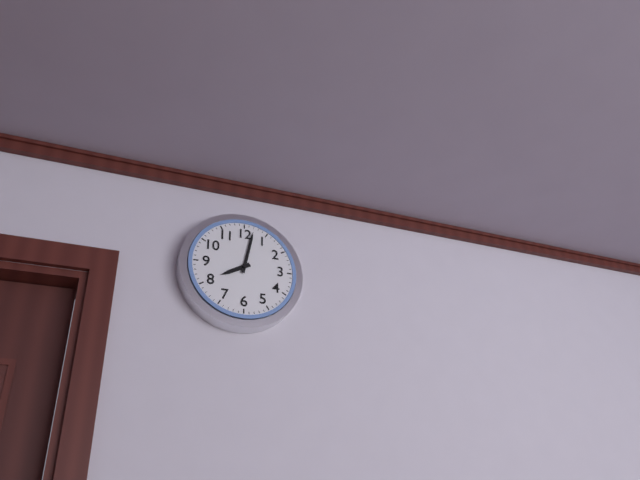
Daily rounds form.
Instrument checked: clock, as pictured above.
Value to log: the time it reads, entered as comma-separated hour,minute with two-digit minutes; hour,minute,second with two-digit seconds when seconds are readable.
8,02
